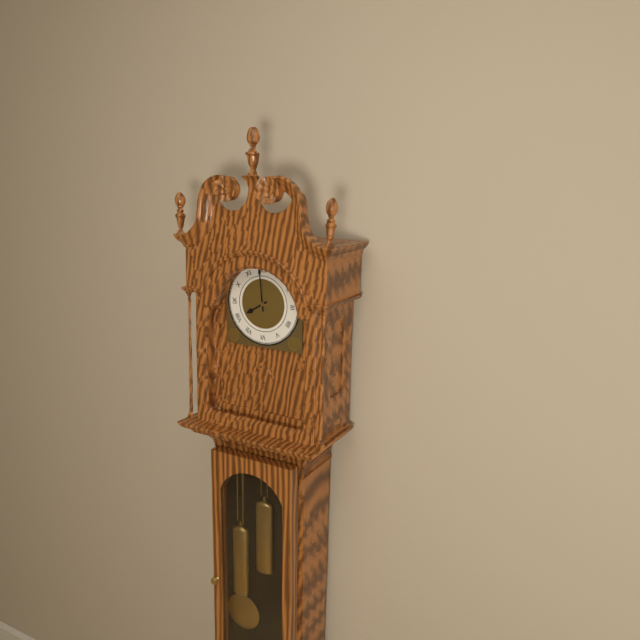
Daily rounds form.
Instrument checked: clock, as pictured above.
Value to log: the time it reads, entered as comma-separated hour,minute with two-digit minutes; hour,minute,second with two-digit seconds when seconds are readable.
7,59
